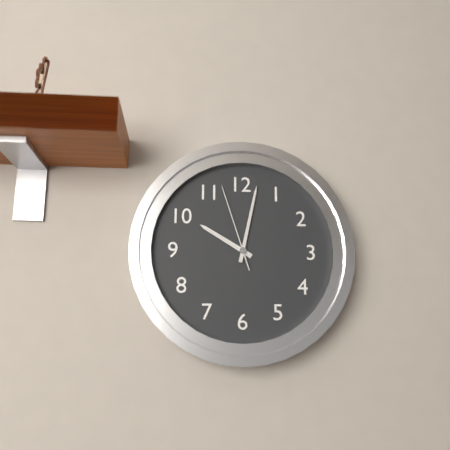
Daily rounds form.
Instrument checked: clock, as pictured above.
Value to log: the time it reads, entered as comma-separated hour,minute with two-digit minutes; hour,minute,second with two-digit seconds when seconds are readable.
10,02,57
